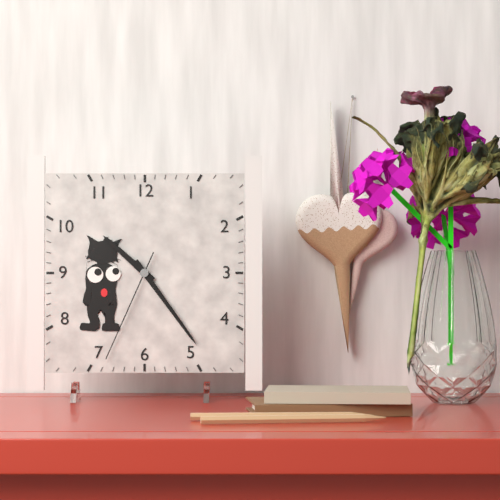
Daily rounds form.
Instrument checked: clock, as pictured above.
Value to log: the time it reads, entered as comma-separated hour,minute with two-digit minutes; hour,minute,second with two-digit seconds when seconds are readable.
10,24,34
